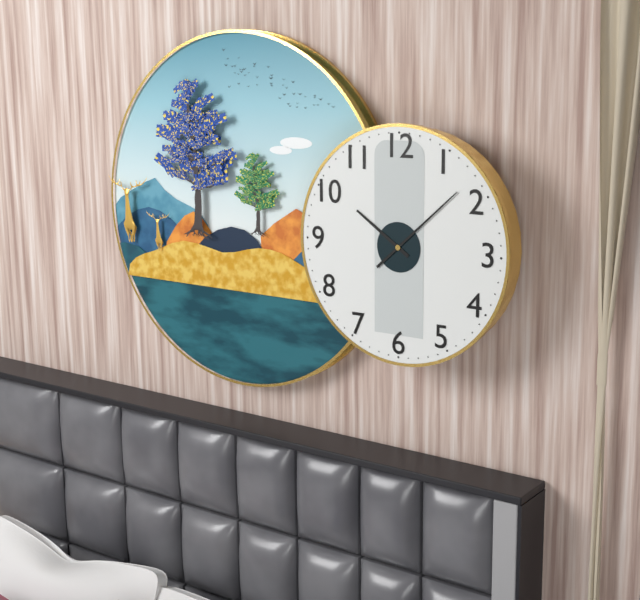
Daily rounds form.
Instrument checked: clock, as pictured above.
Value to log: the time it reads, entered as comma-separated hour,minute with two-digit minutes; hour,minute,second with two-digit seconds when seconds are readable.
10,08
